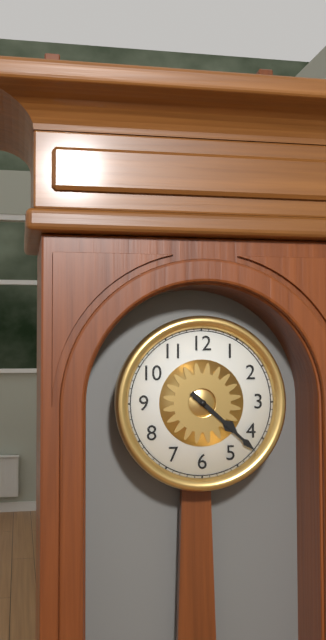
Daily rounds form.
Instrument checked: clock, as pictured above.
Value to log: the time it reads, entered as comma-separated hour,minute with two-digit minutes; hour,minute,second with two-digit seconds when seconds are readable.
4,22
